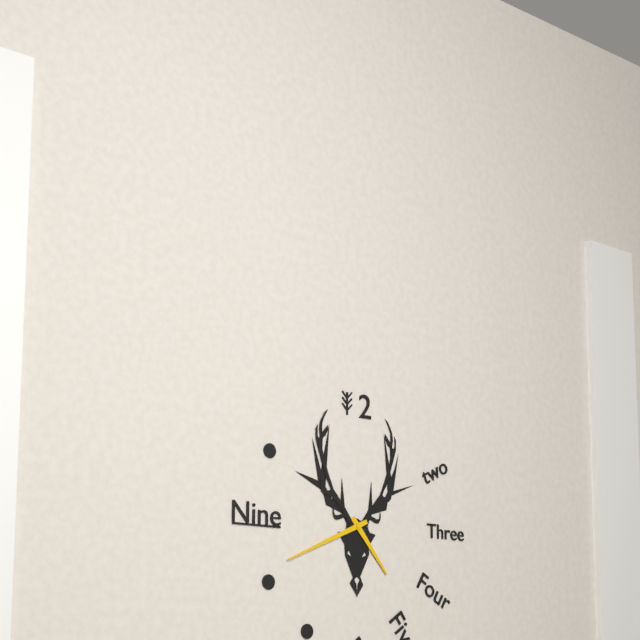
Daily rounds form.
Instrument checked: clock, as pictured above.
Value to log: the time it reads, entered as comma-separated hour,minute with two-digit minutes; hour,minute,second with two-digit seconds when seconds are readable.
4,41
